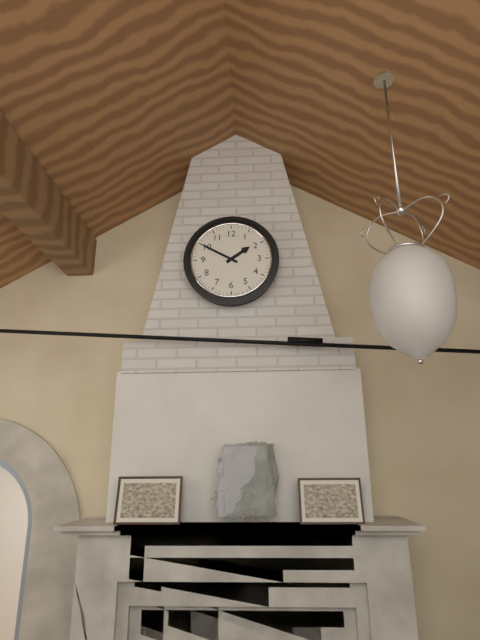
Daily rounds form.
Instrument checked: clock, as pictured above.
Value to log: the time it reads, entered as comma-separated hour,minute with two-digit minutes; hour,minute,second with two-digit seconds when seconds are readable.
1,50
